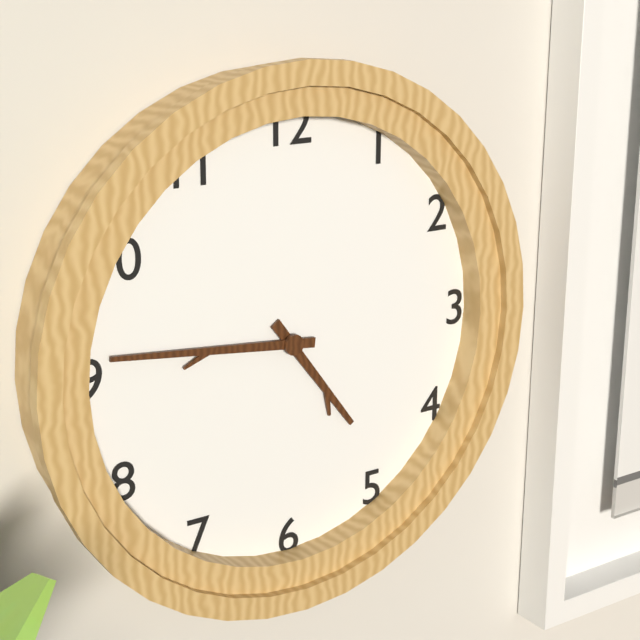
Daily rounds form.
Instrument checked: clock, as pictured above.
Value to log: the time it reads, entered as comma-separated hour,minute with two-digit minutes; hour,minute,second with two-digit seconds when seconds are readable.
4,46
